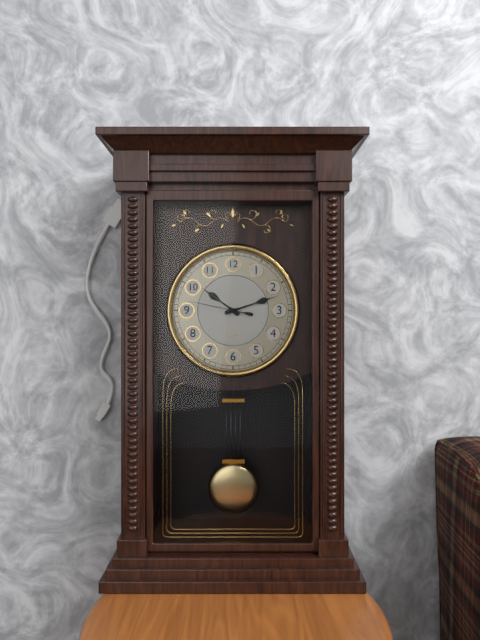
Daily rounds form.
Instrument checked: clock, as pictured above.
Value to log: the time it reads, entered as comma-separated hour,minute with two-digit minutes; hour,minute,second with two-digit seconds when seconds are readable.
10,12,47
